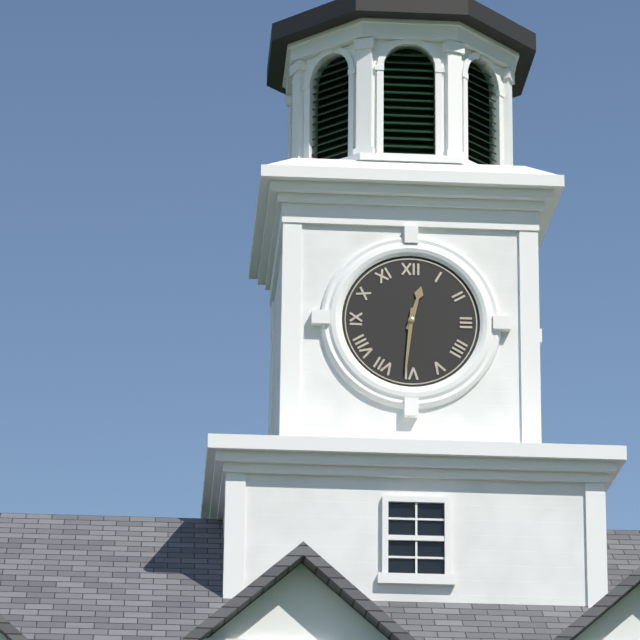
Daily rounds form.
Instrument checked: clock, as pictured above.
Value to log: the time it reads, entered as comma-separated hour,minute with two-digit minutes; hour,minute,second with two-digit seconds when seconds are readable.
12,31
